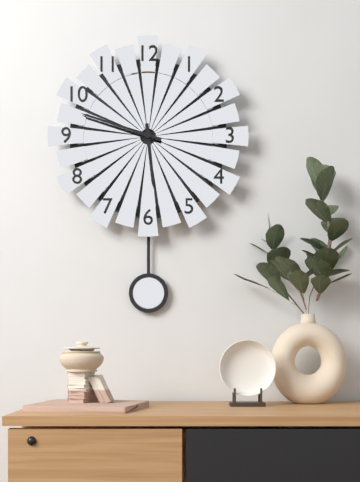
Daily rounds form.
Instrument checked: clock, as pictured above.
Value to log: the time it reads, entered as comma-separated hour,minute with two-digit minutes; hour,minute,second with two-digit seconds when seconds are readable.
5,48
